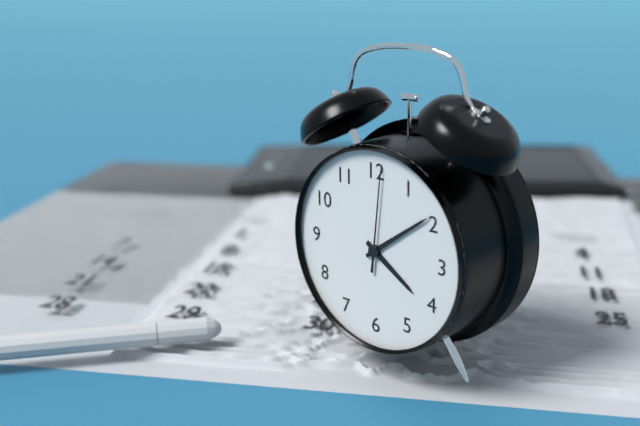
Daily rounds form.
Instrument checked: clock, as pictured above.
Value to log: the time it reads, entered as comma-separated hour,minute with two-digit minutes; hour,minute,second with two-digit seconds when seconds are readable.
4,09,01
